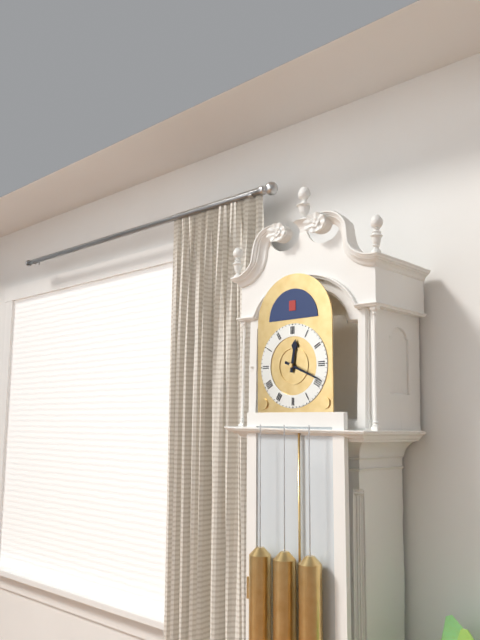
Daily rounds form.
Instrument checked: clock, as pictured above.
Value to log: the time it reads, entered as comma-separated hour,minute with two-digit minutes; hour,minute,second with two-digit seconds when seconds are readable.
12,19
